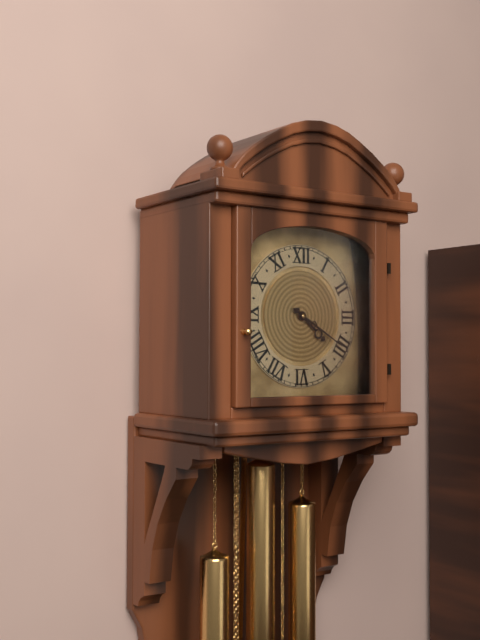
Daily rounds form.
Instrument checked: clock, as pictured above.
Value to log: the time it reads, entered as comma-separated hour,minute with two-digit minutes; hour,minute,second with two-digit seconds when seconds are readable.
4,20
